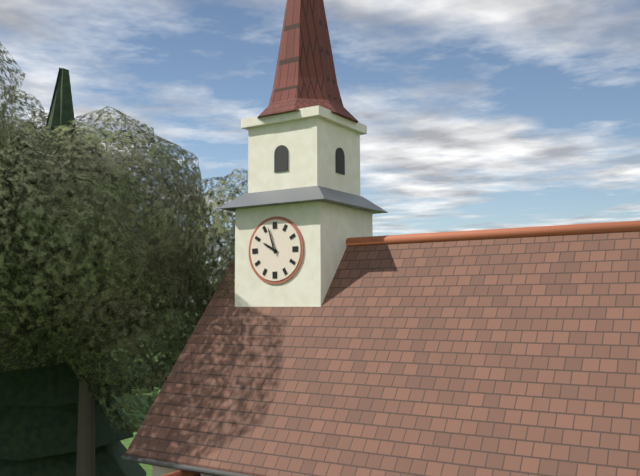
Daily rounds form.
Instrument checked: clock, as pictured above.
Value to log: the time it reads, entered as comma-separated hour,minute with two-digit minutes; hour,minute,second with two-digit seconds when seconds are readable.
9,57
